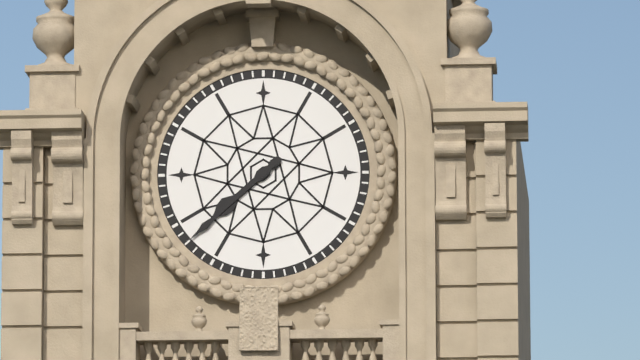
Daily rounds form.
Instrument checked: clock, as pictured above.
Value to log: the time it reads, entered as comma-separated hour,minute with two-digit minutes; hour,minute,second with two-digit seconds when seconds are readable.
7,38
